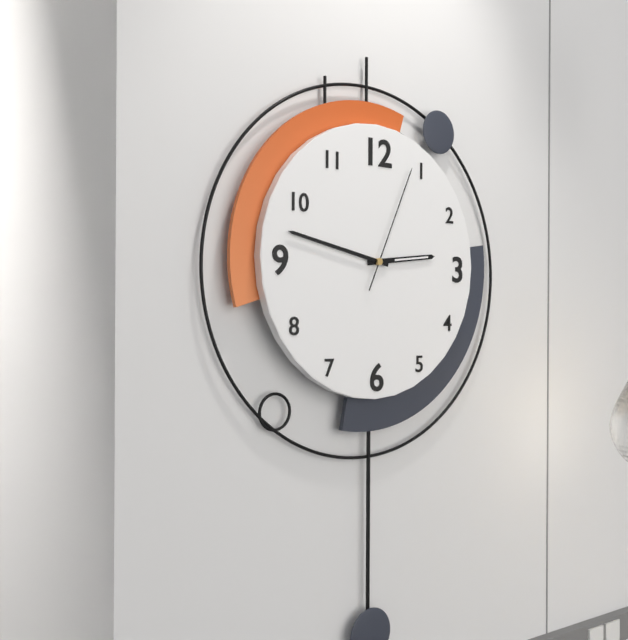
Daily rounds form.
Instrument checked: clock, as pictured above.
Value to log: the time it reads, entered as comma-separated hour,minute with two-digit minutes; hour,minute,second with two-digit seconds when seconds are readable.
2,47,04
